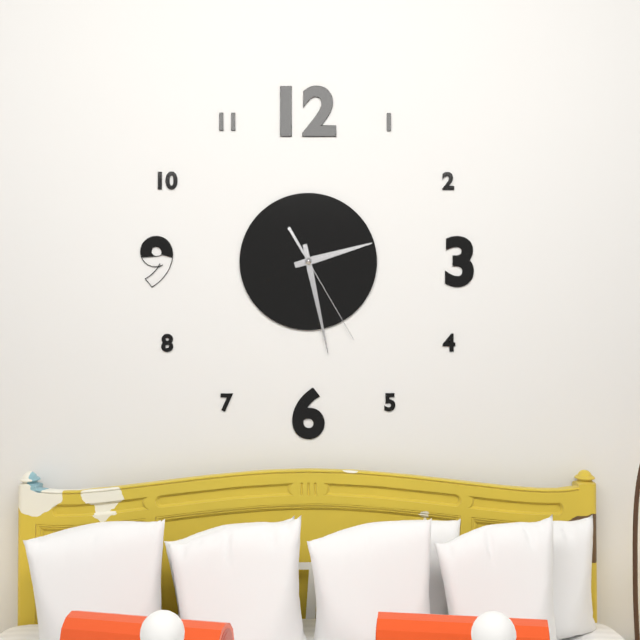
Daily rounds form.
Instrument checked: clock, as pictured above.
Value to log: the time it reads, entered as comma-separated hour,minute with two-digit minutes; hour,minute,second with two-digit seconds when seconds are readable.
2,28,25
